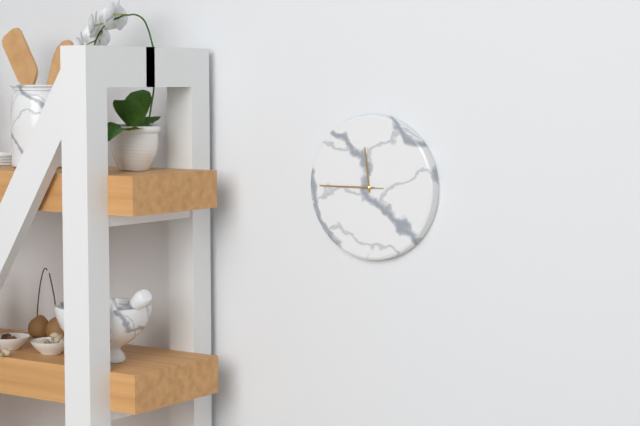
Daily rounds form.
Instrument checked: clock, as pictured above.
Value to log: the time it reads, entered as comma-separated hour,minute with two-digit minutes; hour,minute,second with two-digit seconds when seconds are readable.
11,45,45
